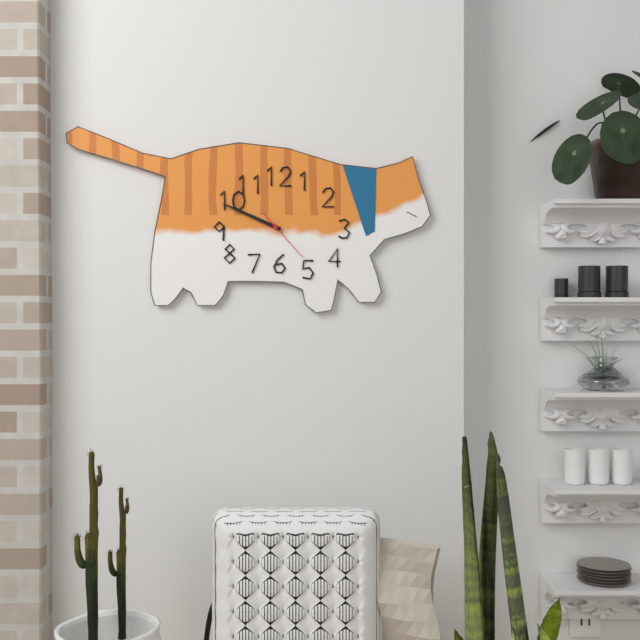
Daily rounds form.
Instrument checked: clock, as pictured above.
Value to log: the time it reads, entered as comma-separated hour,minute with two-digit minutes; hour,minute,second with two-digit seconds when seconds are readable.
9,49,23
